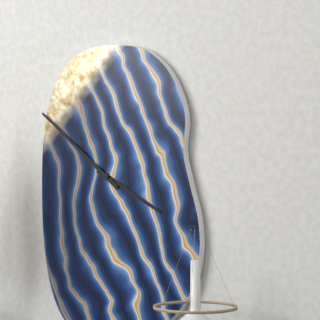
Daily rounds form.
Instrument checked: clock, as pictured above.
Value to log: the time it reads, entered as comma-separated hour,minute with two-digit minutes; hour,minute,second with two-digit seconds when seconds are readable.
3,51
